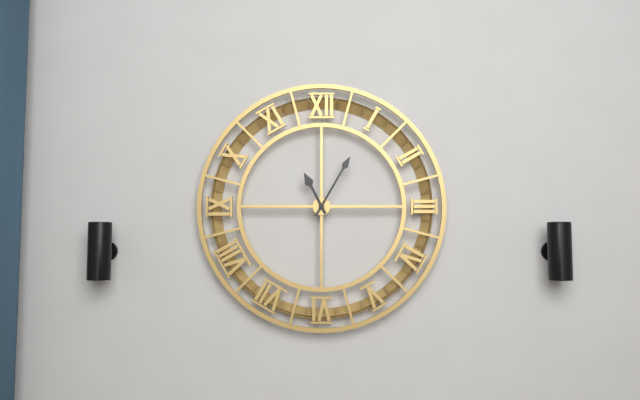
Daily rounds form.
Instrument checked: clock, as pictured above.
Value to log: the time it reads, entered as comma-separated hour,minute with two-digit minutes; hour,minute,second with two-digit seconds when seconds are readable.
11,05
